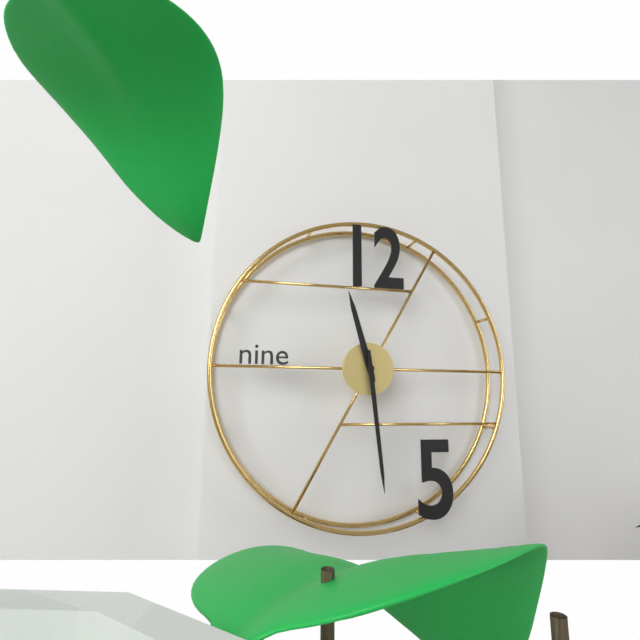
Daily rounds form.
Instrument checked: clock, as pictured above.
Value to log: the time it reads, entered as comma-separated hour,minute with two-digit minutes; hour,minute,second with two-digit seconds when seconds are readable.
11,29
